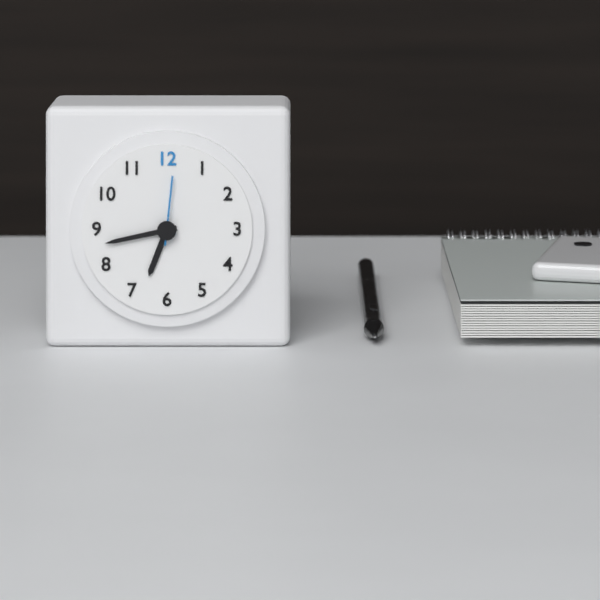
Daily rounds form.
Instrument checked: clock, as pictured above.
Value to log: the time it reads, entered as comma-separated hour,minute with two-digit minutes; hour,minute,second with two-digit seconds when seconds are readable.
6,43,01
